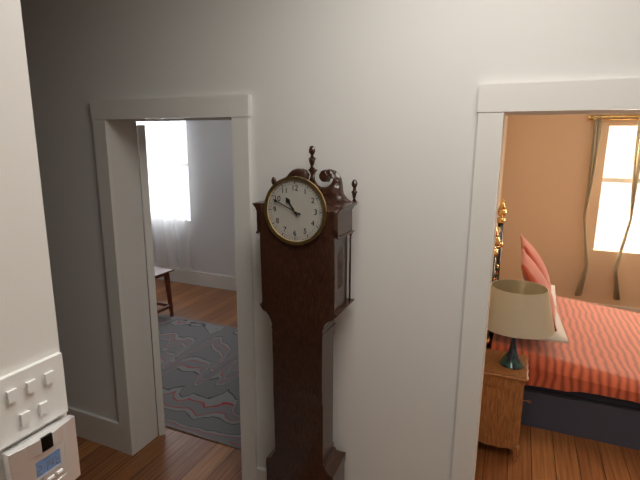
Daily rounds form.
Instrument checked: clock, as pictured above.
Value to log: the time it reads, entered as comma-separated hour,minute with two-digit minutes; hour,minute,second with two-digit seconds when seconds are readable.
10,49
